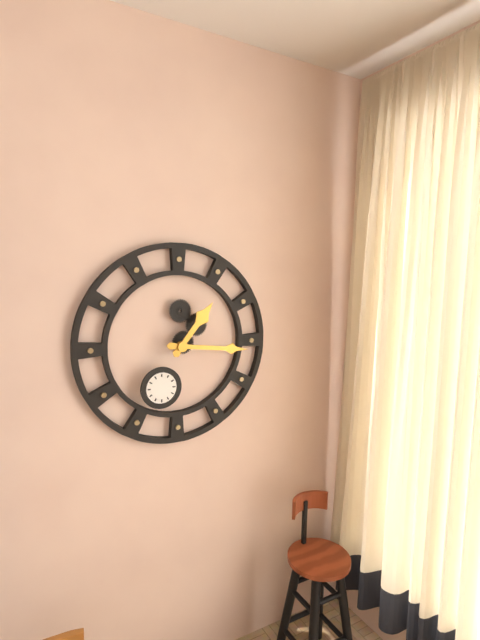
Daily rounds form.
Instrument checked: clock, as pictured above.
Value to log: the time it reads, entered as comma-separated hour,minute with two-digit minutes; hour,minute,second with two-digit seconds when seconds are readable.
1,16
